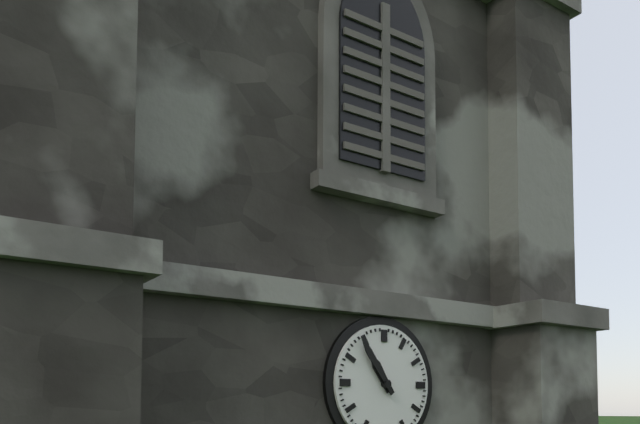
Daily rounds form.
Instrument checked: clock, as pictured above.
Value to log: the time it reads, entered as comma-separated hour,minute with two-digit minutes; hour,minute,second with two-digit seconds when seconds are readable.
10,54
